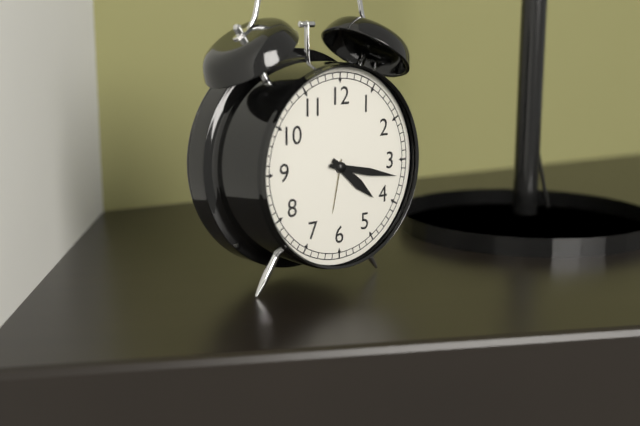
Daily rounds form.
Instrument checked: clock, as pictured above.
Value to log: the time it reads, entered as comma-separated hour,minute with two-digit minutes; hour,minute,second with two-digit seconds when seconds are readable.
4,17
